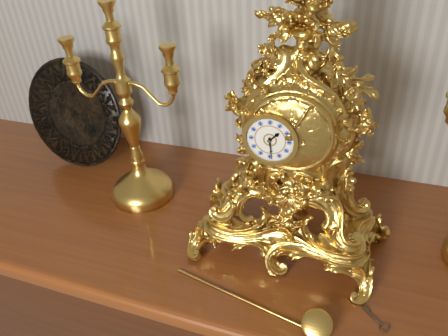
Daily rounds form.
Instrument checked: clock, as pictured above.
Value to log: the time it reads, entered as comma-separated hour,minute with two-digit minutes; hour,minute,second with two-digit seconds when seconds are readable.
1,29
